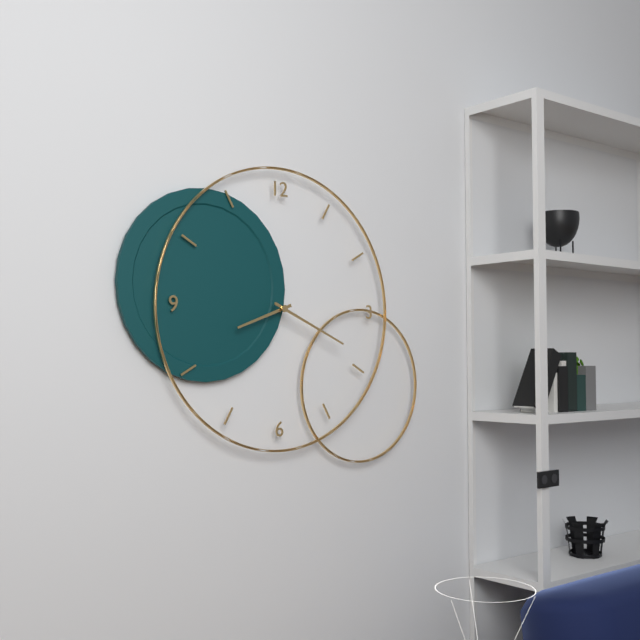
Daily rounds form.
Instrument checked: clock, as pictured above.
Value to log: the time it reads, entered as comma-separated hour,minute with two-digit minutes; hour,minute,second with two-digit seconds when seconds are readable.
8,19
